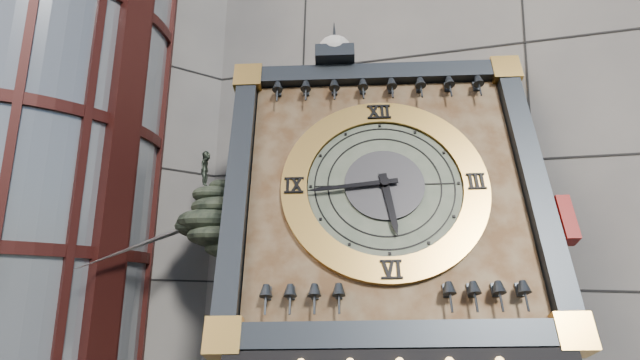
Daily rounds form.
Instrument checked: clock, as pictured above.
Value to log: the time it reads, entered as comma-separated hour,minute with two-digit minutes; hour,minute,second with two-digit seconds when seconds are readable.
5,44
